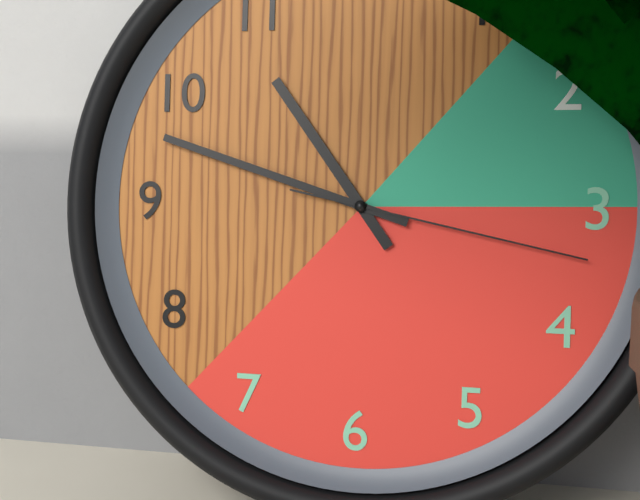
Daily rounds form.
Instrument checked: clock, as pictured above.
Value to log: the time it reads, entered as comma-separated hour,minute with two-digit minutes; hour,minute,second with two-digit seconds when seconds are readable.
10,48,17
